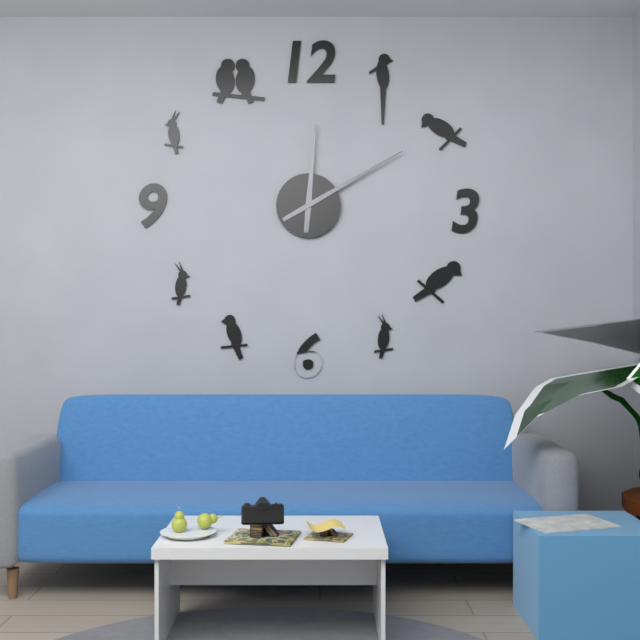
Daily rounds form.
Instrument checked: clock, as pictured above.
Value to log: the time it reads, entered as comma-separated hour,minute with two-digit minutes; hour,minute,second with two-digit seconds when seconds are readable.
12,10
